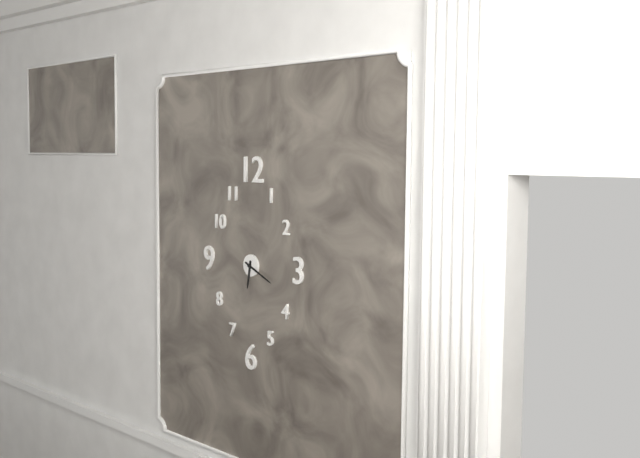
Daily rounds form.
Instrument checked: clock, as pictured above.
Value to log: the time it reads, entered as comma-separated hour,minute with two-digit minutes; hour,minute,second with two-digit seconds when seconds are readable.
6,19
